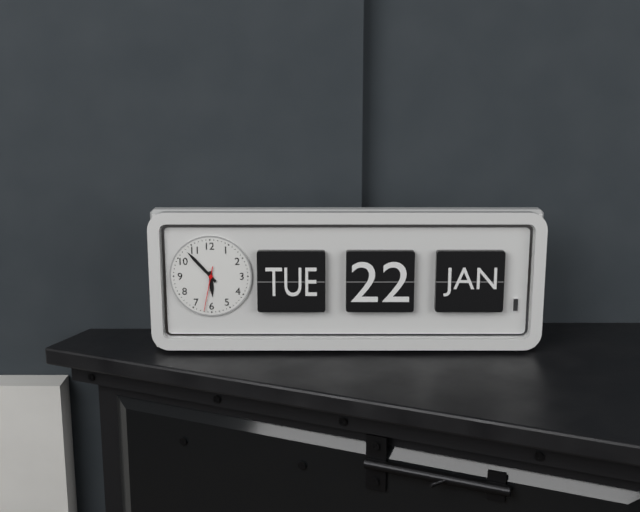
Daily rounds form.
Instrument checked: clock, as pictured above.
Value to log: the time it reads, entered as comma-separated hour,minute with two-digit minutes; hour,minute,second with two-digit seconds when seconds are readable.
5,53
